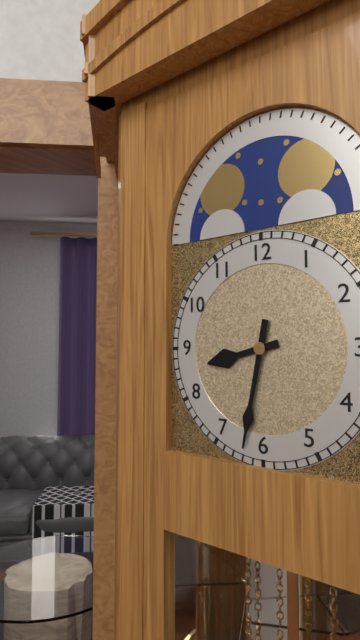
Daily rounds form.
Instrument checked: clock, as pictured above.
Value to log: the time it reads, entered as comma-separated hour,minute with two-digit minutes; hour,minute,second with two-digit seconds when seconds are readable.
8,32
